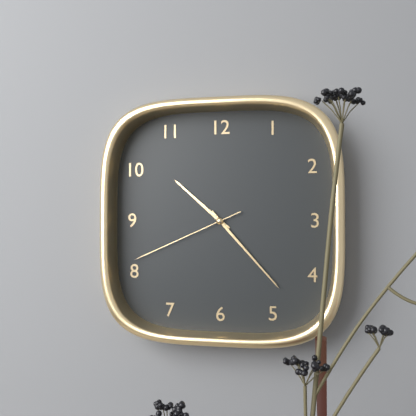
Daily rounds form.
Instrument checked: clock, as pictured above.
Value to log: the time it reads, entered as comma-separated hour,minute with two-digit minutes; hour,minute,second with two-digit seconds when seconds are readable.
10,23,41
